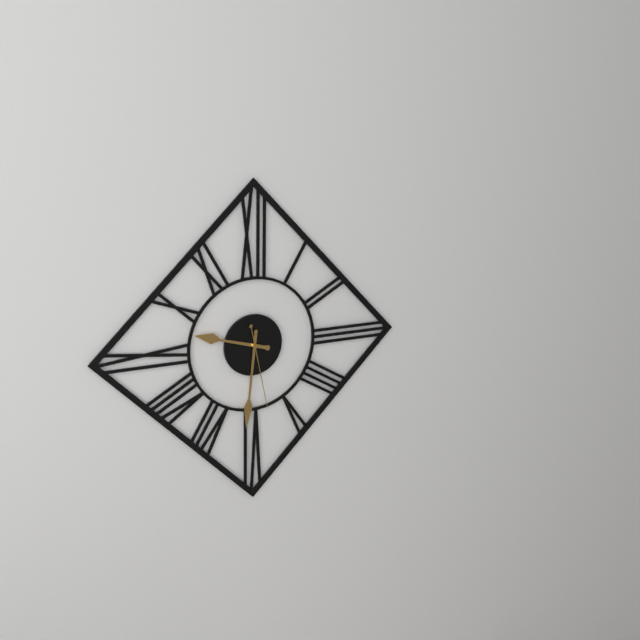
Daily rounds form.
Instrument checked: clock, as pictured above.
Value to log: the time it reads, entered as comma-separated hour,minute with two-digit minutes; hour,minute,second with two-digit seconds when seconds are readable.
9,31,28
